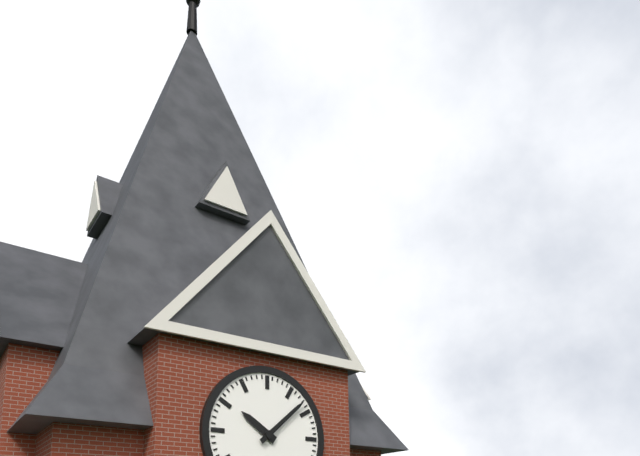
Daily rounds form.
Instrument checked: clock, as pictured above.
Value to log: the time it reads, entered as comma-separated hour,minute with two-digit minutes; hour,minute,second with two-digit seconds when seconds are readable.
10,08
